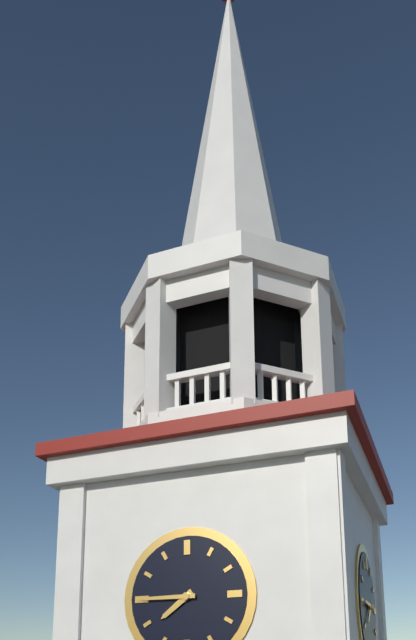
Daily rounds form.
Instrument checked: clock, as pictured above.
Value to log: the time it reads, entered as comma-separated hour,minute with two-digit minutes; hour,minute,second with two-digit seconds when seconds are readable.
7,45
